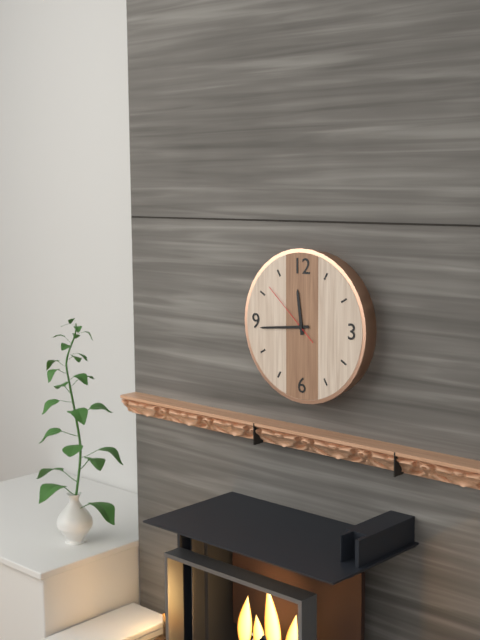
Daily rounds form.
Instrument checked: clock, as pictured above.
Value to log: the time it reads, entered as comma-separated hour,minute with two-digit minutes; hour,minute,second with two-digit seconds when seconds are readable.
11,44,52
